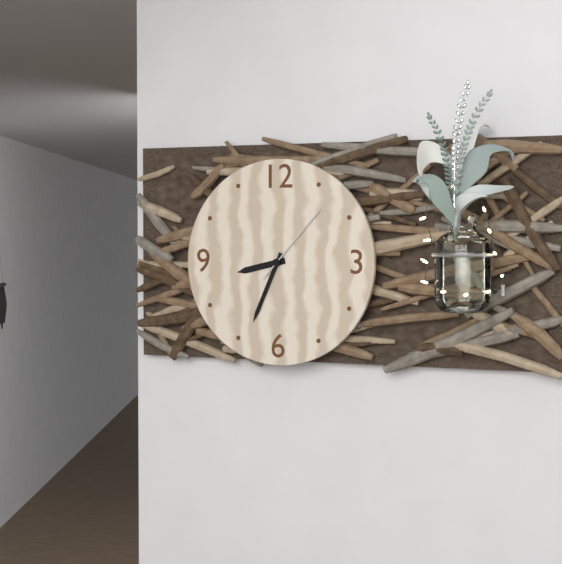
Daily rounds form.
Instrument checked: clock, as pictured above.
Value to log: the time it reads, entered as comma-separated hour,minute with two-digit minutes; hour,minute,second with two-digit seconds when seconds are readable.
8,34,07
